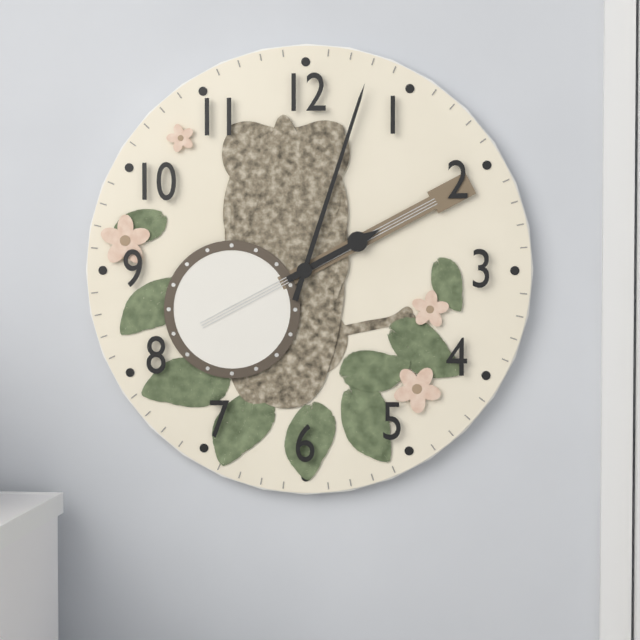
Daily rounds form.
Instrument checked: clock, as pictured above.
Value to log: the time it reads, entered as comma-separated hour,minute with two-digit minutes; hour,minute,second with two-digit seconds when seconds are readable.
2,03
